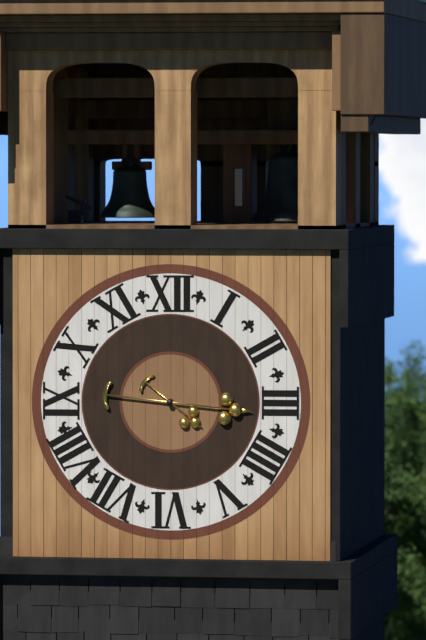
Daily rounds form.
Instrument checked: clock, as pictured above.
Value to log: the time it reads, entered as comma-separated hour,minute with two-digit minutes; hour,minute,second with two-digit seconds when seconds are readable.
4,16
